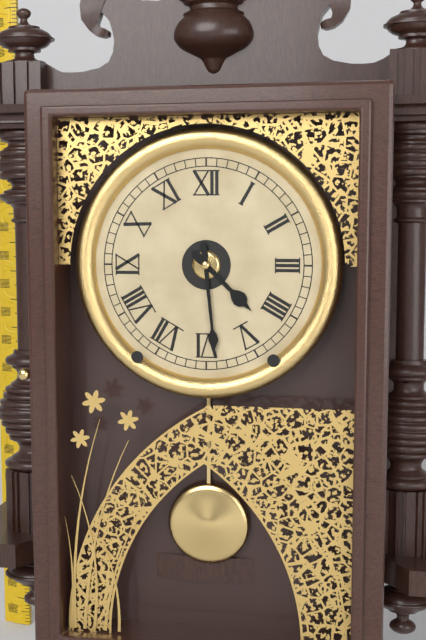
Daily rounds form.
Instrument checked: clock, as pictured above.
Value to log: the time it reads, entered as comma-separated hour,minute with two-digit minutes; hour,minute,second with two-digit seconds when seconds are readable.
4,29
